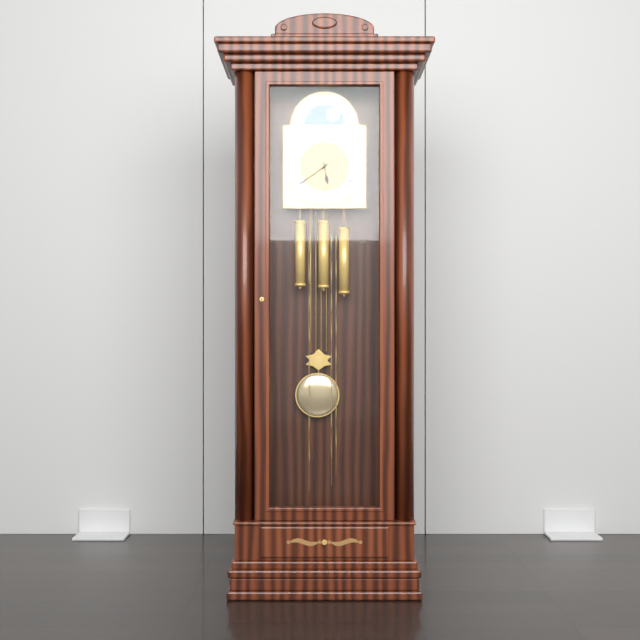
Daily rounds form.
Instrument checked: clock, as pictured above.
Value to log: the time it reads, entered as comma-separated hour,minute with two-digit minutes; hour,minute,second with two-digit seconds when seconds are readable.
5,39
